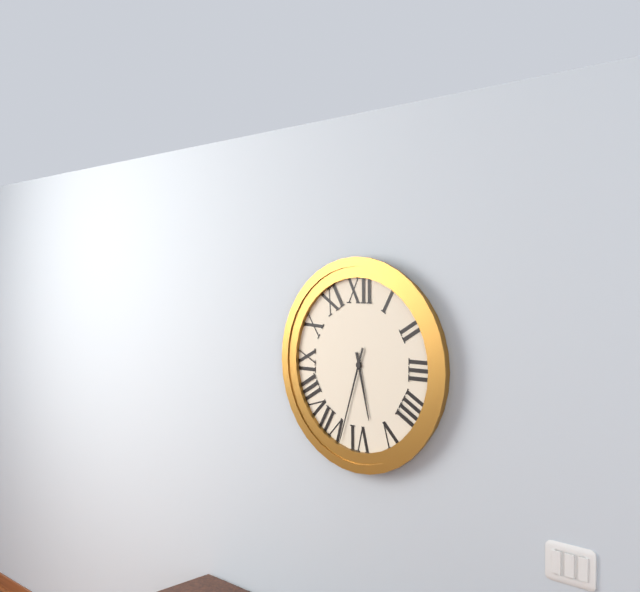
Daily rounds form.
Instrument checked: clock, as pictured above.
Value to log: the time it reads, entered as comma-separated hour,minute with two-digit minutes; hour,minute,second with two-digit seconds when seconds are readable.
5,33
